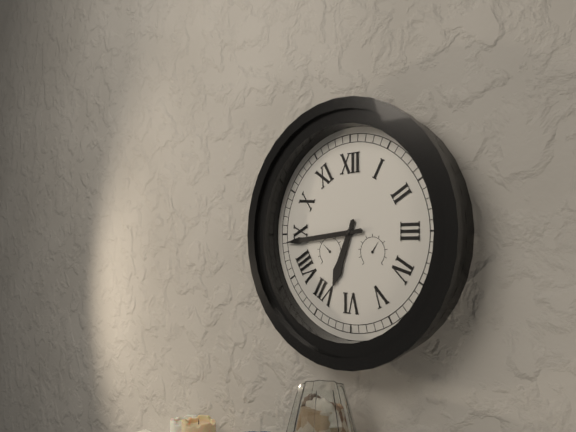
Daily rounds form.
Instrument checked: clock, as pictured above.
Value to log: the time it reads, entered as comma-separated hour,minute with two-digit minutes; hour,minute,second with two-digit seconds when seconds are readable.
6,44
